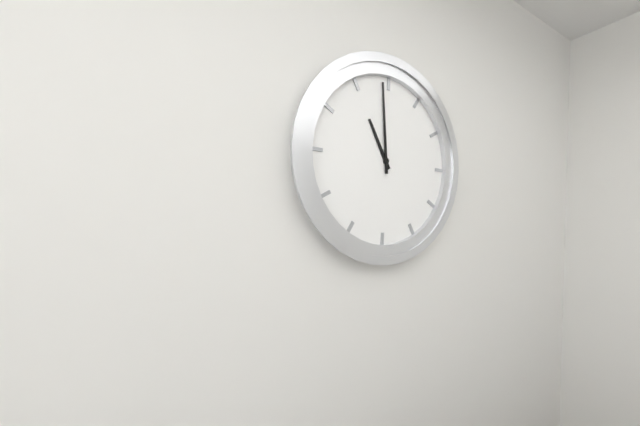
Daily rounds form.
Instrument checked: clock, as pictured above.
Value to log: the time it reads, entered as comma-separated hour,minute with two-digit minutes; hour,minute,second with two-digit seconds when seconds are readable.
10,59
